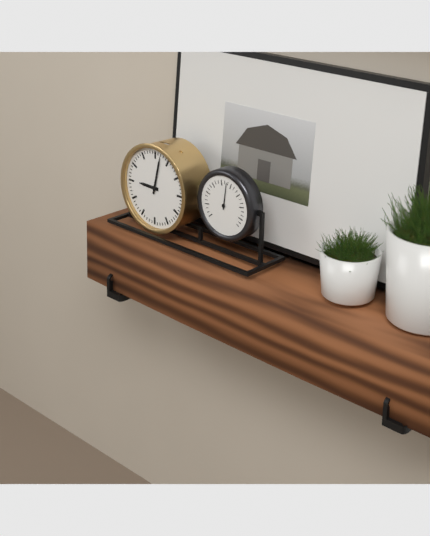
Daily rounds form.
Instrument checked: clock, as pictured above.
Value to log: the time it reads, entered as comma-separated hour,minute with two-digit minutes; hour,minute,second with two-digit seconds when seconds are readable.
9,02
